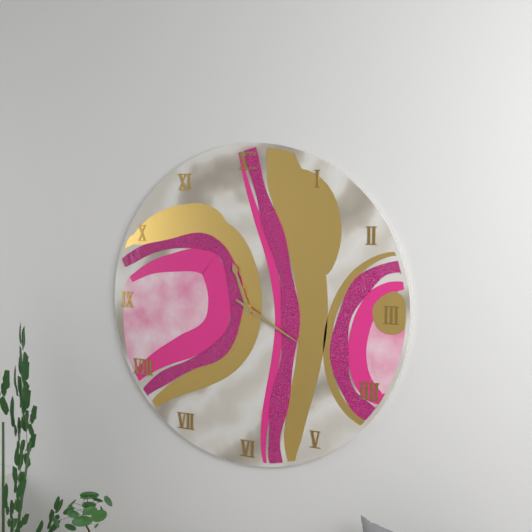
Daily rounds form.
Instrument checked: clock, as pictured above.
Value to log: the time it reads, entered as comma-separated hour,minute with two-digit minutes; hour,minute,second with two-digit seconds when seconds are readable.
11,20
